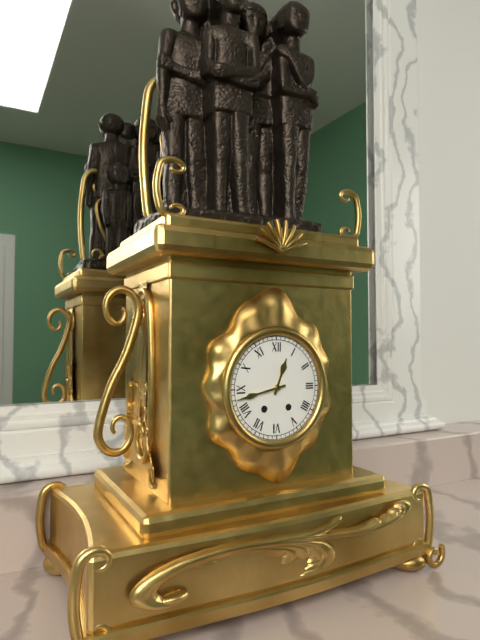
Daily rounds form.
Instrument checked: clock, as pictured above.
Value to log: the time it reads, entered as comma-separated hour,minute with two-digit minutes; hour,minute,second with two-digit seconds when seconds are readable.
12,43
